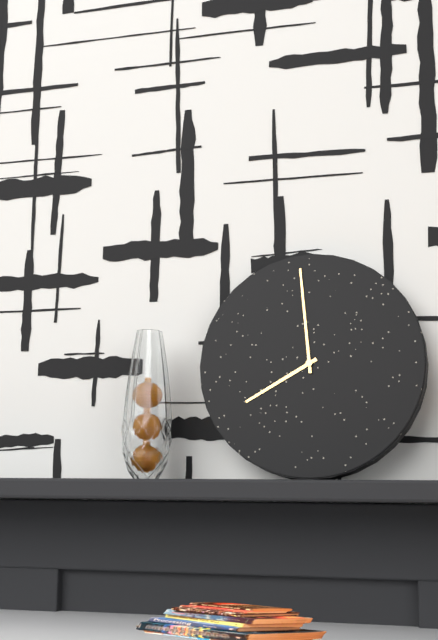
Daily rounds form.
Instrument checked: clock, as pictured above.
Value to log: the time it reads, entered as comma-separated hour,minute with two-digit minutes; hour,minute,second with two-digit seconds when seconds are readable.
7,59
